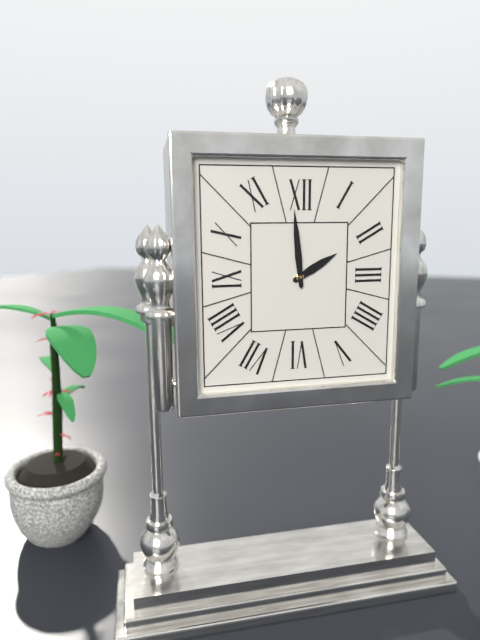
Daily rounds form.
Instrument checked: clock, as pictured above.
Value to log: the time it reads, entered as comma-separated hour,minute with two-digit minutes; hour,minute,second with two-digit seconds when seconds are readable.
1,59
